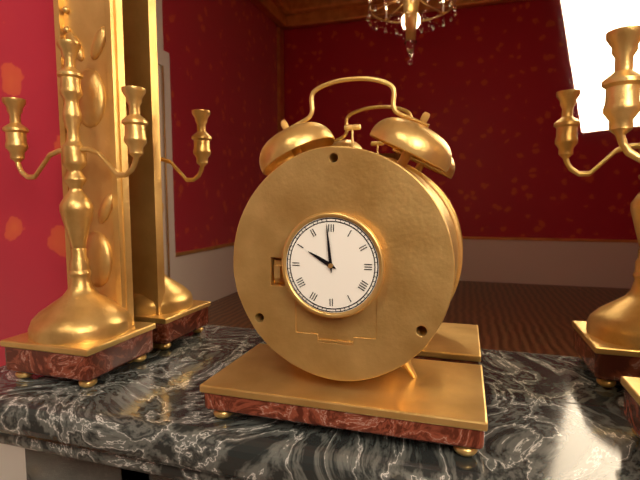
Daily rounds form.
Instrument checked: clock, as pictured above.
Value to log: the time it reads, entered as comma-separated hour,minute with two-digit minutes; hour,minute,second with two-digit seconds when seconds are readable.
9,59
